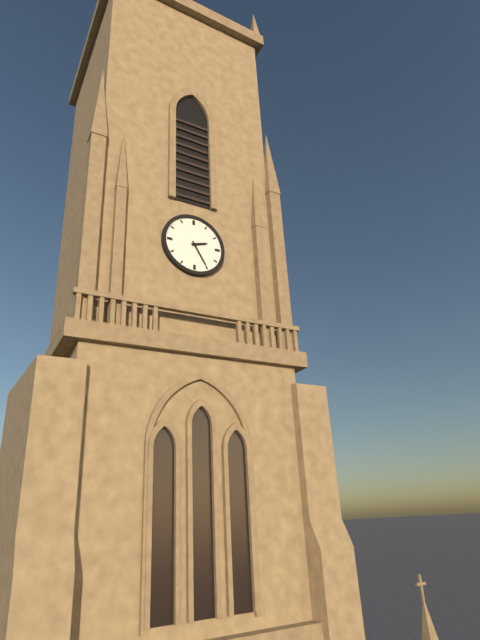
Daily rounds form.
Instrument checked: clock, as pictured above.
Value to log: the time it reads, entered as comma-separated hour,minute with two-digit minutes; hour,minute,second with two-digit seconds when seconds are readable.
2,25
